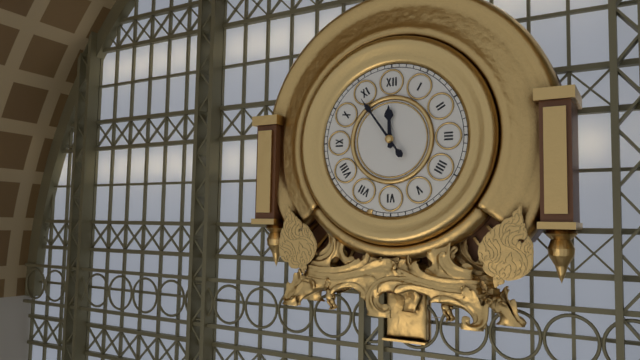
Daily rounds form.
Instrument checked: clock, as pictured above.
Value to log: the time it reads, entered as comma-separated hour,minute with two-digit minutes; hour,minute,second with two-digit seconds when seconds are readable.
11,54
